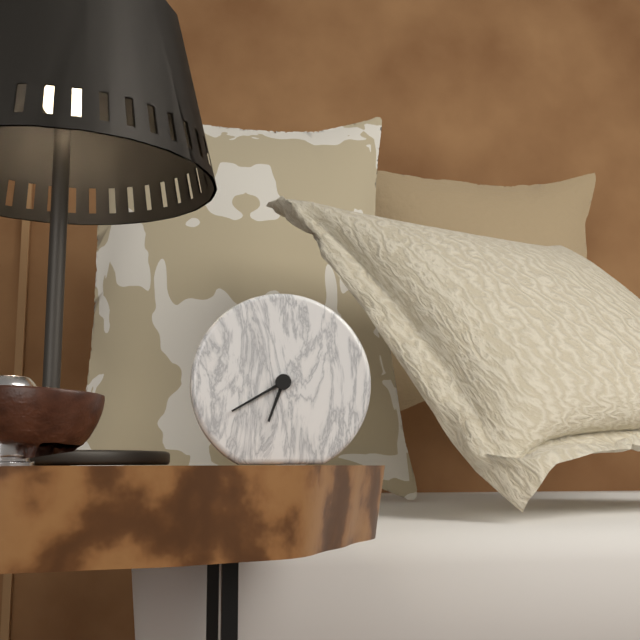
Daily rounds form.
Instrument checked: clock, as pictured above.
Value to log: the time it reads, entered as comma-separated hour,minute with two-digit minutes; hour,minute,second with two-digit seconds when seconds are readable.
6,40
